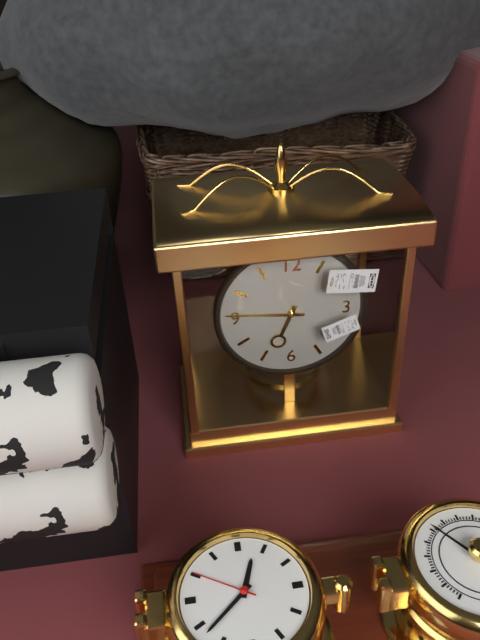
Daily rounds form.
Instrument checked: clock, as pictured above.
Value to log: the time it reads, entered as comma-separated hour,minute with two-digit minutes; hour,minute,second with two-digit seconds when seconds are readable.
6,46
